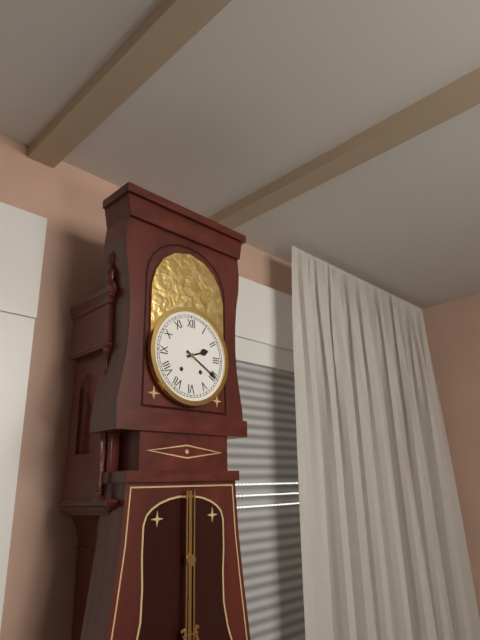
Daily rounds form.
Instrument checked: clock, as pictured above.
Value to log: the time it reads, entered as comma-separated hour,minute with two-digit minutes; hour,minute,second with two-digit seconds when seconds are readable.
2,20
